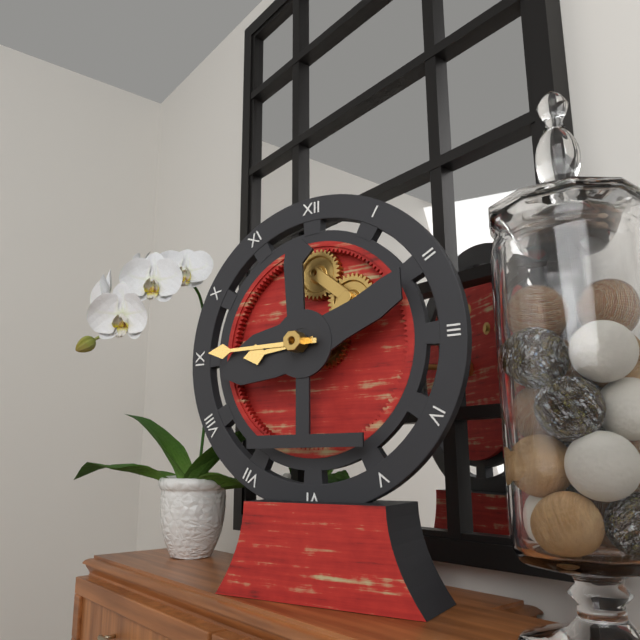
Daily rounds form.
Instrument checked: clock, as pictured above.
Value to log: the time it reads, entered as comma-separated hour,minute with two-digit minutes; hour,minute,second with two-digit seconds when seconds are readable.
8,45
